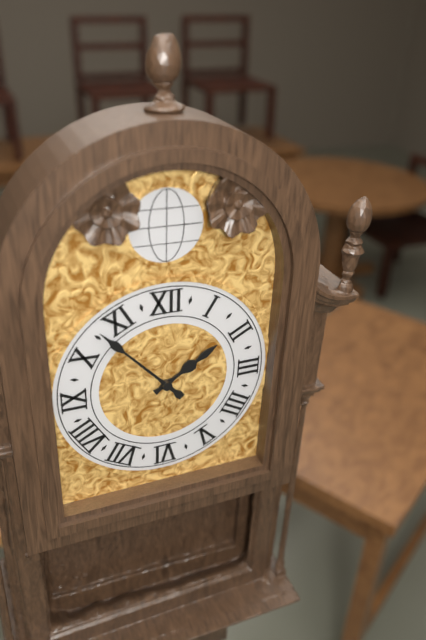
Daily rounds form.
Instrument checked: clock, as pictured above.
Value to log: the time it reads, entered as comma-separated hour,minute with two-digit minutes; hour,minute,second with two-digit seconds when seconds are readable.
1,53
